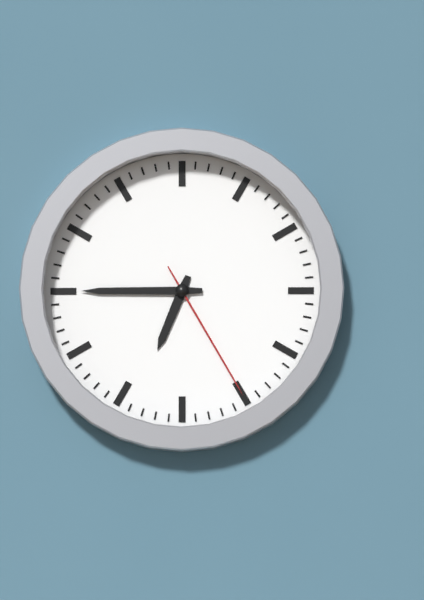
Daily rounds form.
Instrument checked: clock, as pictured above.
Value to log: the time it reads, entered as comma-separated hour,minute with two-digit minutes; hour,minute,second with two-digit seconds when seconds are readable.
6,45,25
